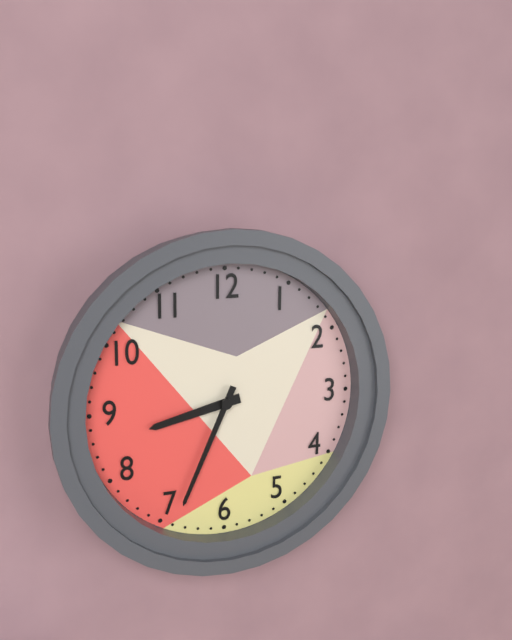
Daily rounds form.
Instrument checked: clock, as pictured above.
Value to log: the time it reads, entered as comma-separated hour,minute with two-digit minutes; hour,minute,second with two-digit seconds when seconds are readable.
8,34
